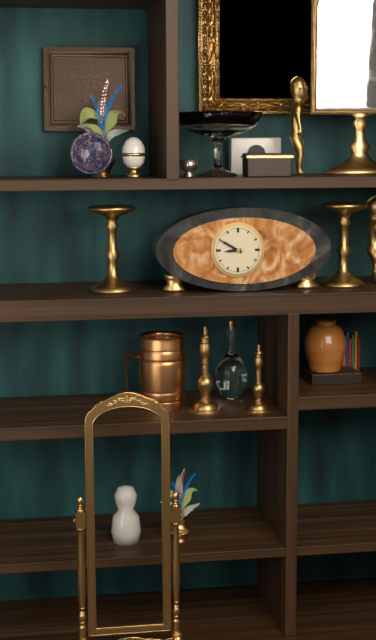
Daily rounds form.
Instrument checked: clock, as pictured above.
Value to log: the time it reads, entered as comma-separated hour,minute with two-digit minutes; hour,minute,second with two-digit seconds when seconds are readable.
8,50
